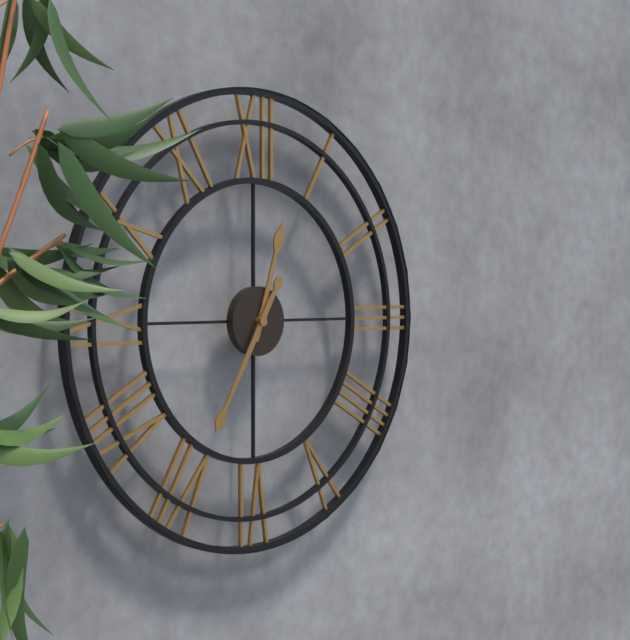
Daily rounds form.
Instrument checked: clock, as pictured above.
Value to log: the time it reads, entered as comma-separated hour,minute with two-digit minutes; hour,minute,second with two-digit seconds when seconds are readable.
12,35
